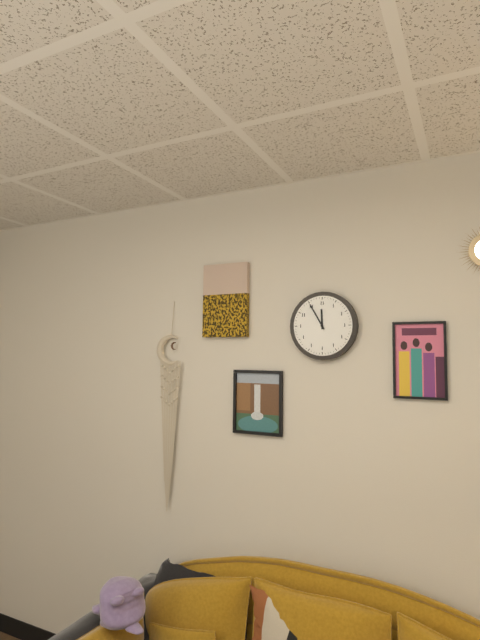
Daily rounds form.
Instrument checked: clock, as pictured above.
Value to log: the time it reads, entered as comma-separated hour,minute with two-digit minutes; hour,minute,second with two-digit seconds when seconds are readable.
11,55
